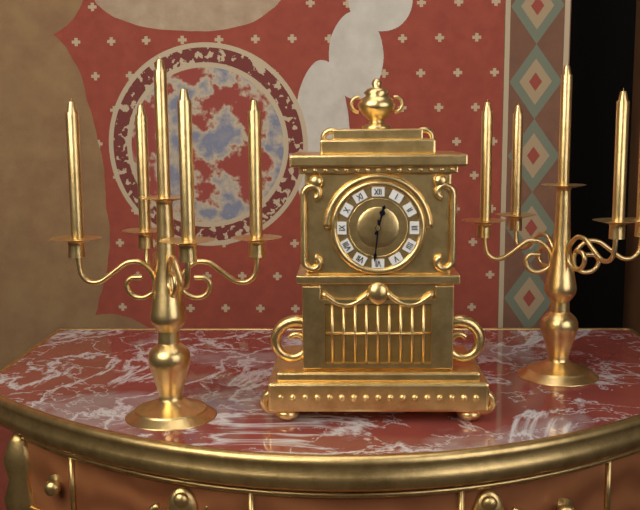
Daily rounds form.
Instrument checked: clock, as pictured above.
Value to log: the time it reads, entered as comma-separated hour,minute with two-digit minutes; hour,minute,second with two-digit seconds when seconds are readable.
12,31
